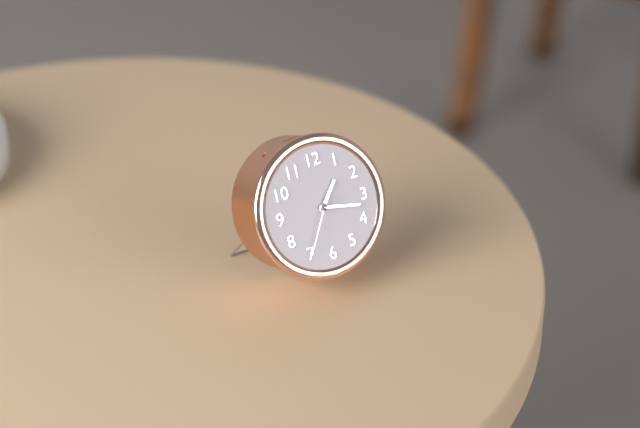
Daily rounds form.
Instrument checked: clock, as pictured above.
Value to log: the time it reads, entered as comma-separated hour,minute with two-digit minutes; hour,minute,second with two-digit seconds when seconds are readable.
1,17,35
